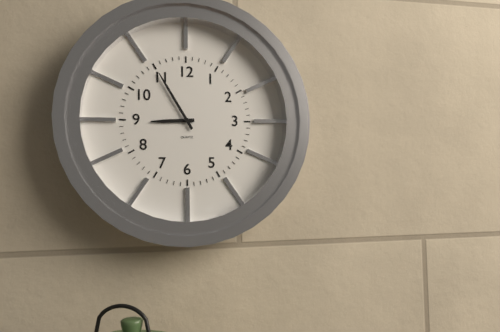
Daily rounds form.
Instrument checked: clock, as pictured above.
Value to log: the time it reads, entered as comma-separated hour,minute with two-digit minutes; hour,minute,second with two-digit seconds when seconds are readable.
8,55
